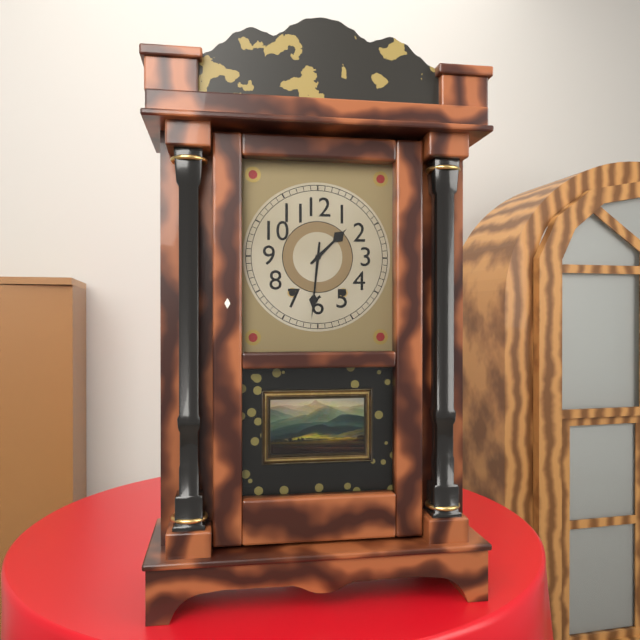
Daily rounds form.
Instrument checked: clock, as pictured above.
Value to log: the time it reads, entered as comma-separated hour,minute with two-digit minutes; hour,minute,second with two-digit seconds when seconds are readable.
1,31
